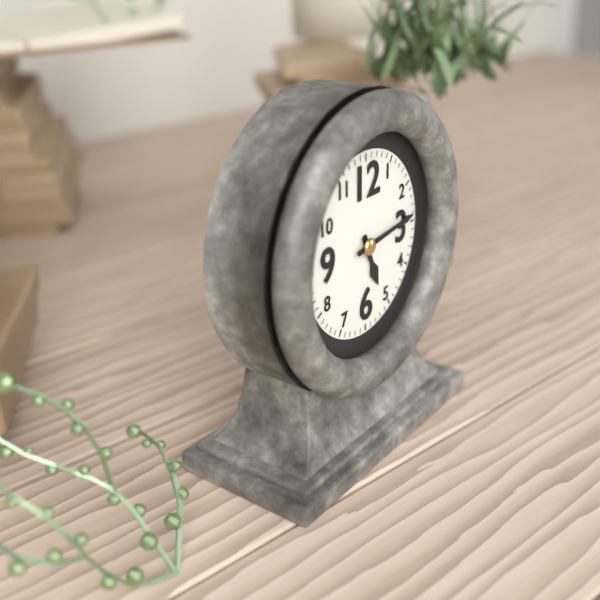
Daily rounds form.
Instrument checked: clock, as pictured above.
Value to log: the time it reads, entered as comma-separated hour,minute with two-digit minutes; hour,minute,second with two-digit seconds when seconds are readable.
5,14
